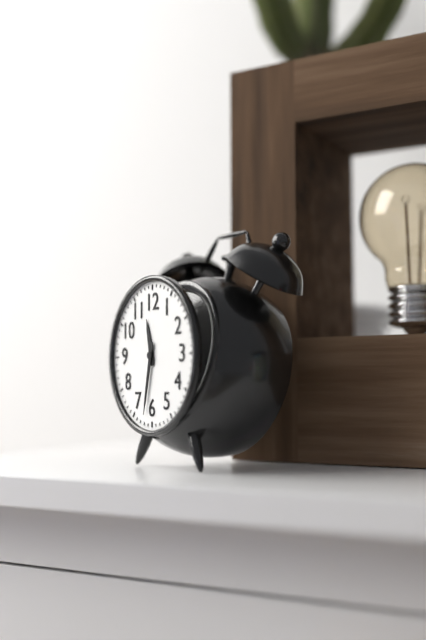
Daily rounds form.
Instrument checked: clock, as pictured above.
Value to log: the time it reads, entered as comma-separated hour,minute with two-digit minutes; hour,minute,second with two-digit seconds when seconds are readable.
11,32
